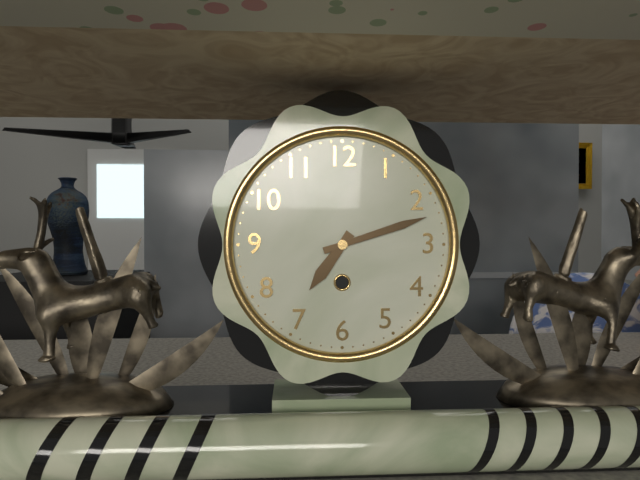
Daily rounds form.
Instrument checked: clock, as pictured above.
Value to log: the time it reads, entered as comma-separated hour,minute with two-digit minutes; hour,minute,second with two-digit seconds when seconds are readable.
7,12
